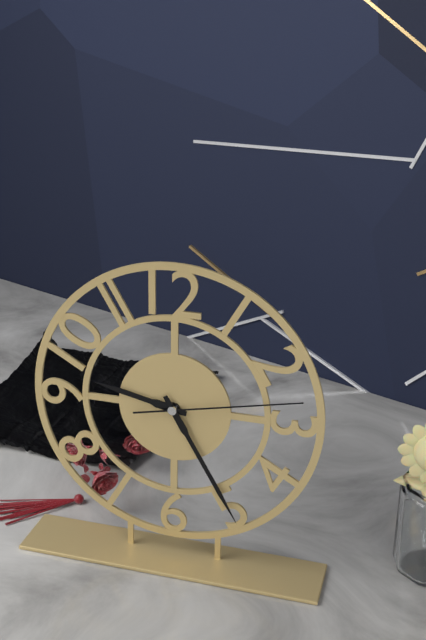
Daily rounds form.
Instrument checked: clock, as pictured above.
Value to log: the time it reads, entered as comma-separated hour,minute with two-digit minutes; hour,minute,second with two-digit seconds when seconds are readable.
9,25,13
